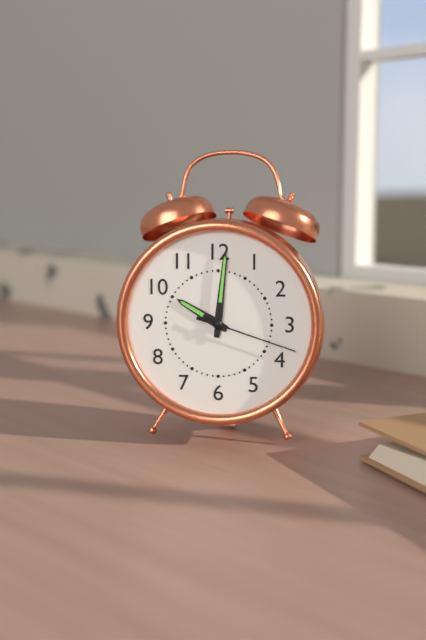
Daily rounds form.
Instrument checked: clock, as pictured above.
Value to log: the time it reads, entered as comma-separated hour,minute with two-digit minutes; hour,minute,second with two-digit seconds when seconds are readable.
10,01,18
